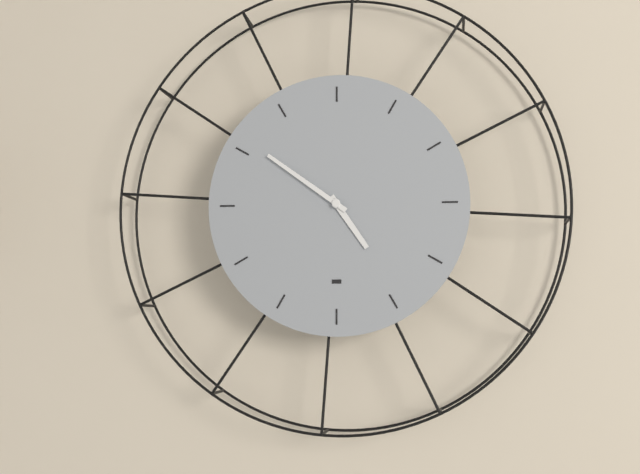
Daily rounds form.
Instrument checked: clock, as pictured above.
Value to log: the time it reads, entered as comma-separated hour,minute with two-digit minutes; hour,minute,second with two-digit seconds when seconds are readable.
4,51
